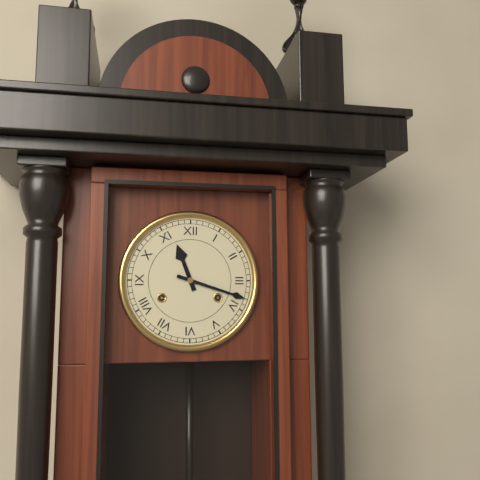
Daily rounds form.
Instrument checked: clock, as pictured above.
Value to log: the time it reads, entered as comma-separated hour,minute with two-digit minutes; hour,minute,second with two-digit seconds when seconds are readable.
11,18
